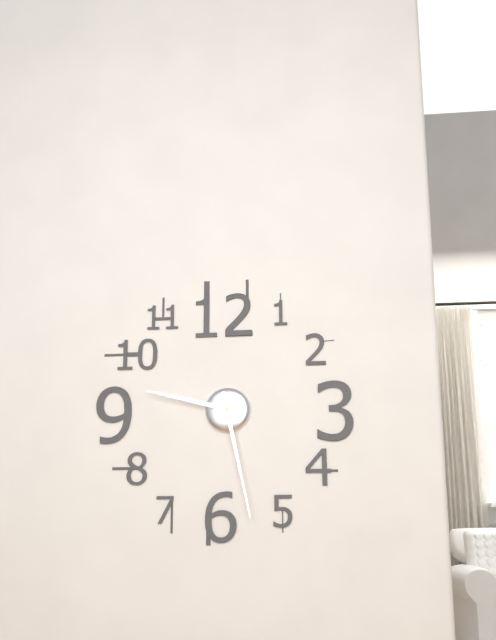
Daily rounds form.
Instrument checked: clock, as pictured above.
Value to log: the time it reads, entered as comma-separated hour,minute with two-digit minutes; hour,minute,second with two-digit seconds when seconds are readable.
9,28
